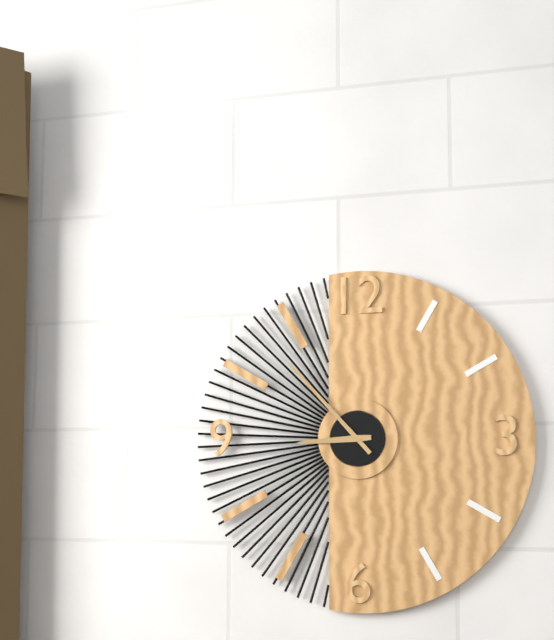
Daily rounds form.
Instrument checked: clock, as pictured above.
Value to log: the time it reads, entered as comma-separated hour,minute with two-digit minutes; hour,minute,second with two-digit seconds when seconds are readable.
8,53
